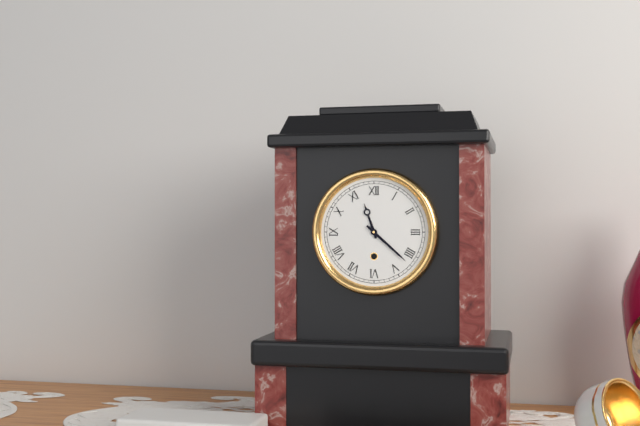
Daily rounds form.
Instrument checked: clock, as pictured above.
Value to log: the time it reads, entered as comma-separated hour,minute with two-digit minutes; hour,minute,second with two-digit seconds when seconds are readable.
11,22
